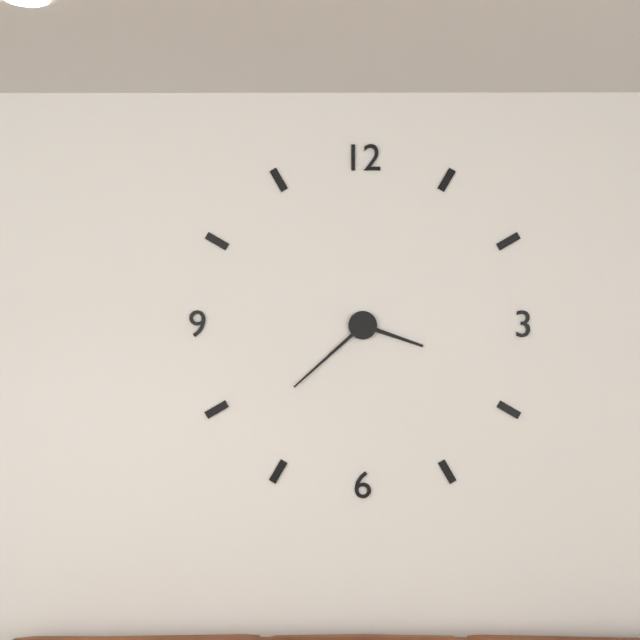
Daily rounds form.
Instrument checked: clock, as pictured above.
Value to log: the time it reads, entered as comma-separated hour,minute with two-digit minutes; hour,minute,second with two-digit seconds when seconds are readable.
3,38
